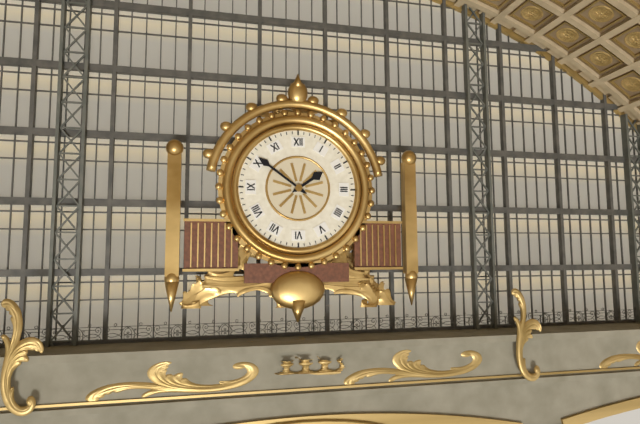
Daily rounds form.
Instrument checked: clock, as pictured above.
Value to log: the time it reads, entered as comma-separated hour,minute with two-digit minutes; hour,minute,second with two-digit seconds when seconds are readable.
1,51
